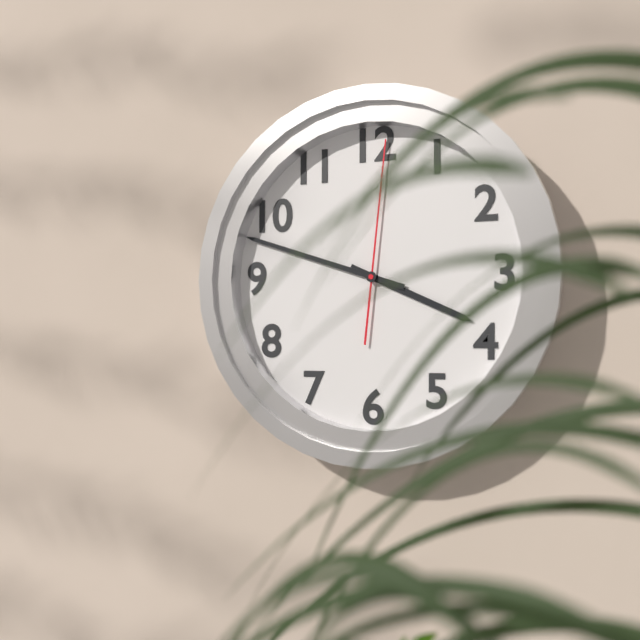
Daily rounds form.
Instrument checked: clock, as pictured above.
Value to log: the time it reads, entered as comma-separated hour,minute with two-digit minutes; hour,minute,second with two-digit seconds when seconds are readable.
3,48,01
